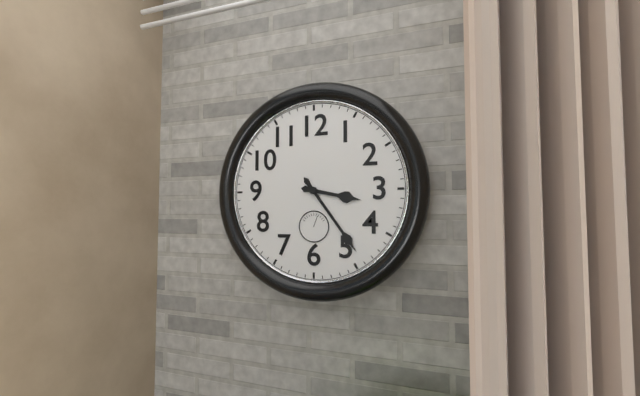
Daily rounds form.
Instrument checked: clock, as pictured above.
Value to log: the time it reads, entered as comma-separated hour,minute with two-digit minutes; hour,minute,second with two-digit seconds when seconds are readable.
3,24
